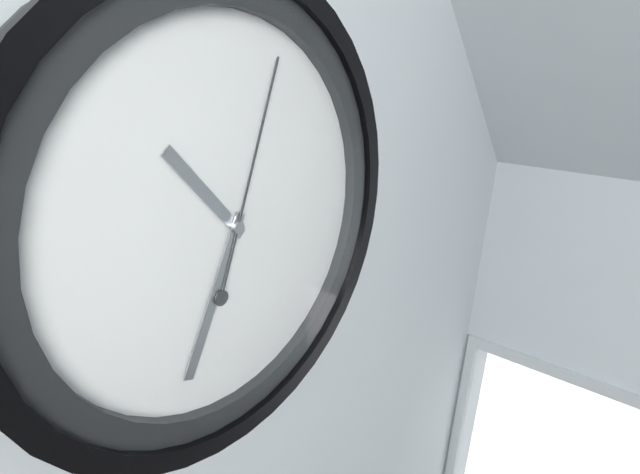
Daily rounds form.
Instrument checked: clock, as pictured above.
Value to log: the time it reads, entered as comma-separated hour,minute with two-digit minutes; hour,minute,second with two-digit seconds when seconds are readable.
10,34,03
